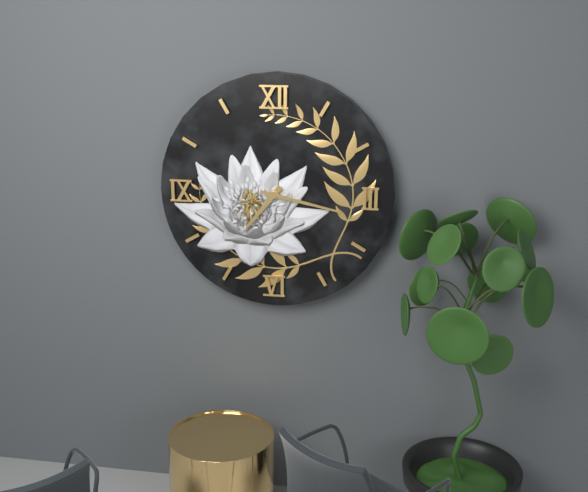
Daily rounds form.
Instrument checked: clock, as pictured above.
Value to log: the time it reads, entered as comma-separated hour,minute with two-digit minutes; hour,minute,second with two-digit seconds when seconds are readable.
7,17
